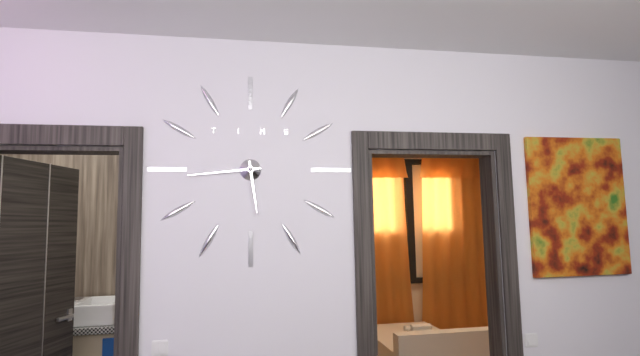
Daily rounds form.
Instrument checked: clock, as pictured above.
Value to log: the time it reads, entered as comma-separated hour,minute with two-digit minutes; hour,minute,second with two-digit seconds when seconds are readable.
5,44
